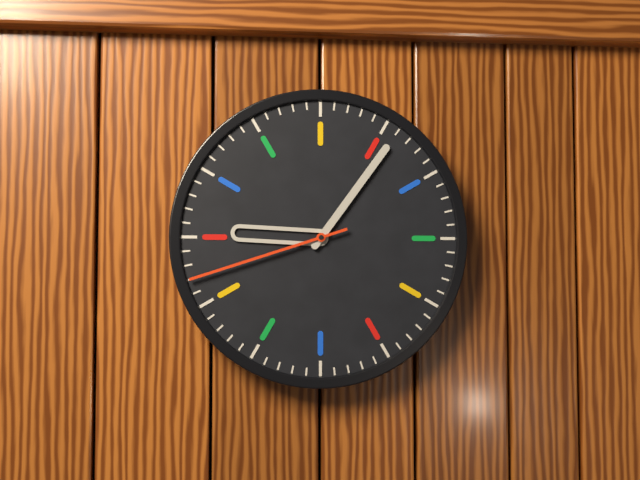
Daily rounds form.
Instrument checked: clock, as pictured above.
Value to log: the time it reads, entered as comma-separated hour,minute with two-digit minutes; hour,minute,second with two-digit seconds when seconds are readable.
9,06,42
